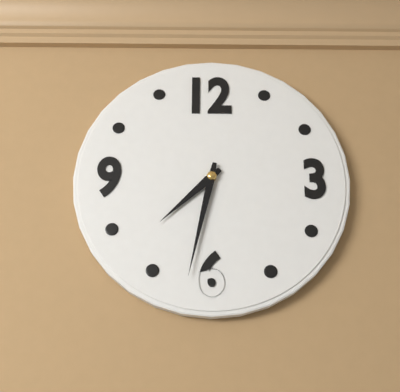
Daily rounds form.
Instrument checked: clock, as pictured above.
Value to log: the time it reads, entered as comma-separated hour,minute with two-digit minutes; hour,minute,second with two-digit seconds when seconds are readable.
7,32
